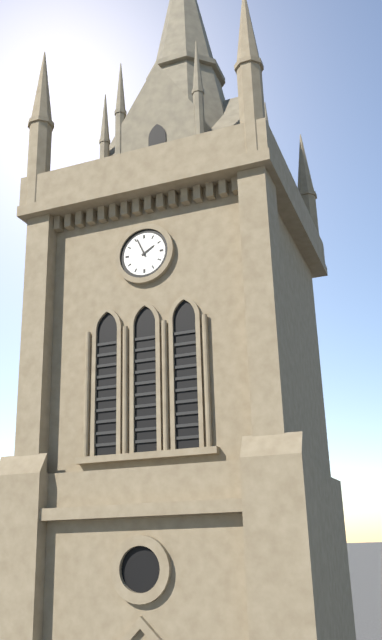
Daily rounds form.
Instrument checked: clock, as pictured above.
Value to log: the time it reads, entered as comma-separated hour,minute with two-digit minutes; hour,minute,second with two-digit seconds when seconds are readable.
1,56
